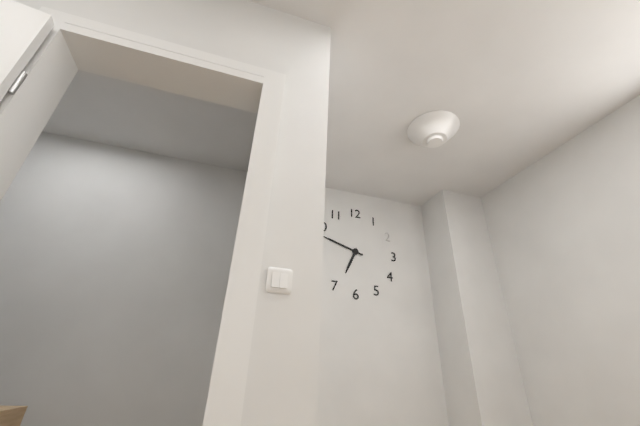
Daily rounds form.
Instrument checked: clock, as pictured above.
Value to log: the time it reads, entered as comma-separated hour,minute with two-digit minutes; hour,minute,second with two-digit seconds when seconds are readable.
6,48
